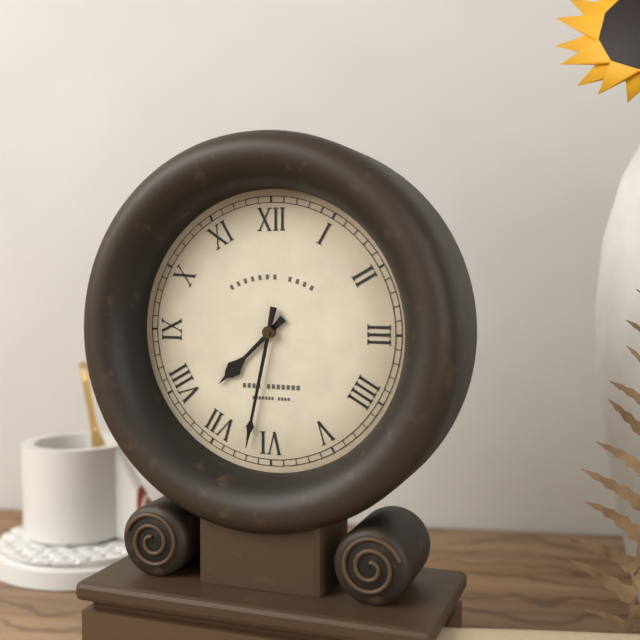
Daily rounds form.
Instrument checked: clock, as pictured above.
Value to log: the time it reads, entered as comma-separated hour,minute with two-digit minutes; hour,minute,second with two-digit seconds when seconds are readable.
7,32
